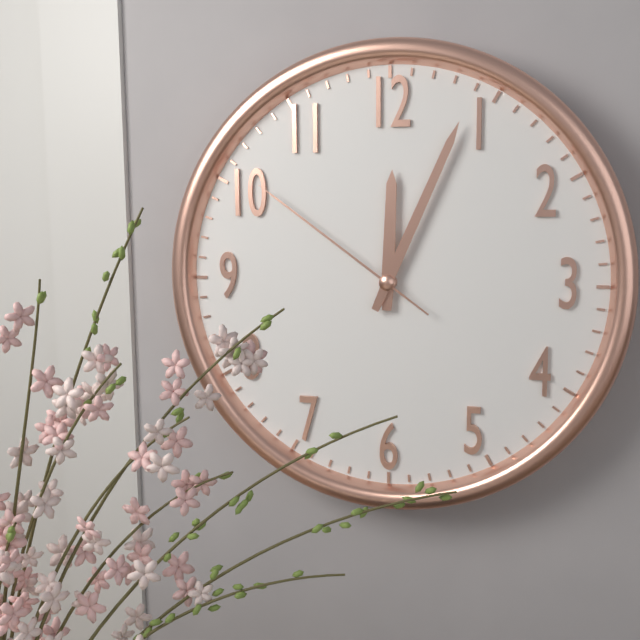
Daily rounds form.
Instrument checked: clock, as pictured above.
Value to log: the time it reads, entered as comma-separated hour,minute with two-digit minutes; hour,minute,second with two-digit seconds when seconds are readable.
12,04,51
